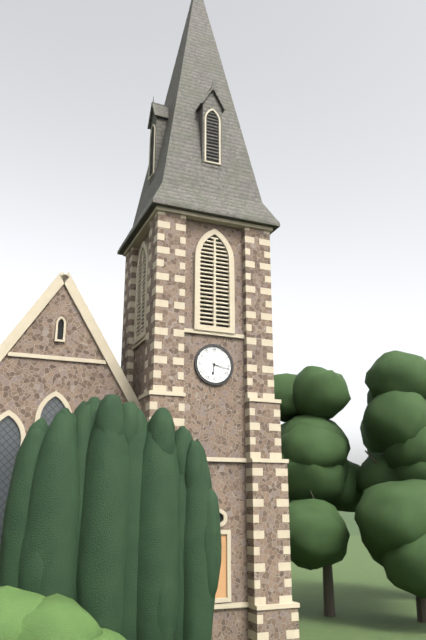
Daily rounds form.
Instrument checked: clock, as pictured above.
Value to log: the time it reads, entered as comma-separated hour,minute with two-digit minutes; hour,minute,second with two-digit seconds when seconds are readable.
6,17
